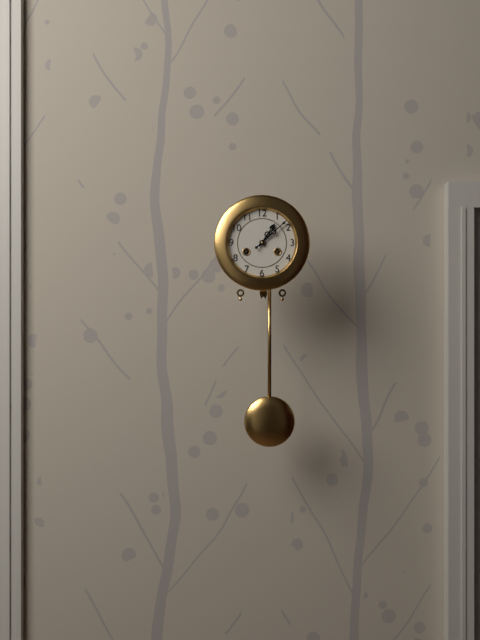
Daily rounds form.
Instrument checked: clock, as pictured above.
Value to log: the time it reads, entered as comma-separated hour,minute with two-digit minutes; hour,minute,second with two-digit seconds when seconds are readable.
1,08
